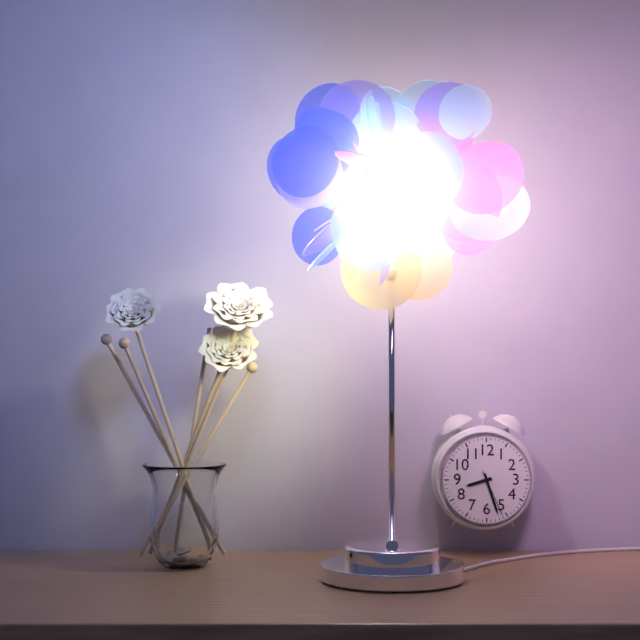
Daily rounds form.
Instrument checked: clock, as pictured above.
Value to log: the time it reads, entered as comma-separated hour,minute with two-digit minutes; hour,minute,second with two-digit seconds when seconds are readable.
8,27
